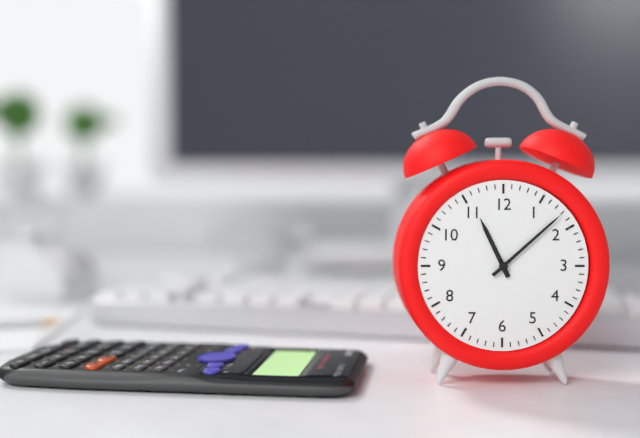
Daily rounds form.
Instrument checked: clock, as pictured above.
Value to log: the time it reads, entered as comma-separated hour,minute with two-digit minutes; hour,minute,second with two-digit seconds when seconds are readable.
11,08
